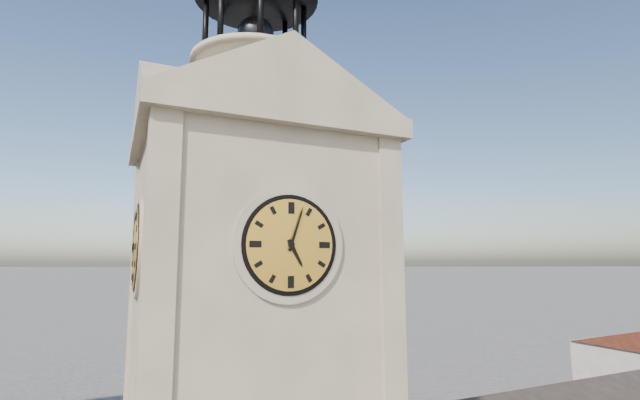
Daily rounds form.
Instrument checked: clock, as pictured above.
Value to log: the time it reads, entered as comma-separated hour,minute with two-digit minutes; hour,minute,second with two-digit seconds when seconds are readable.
5,03
